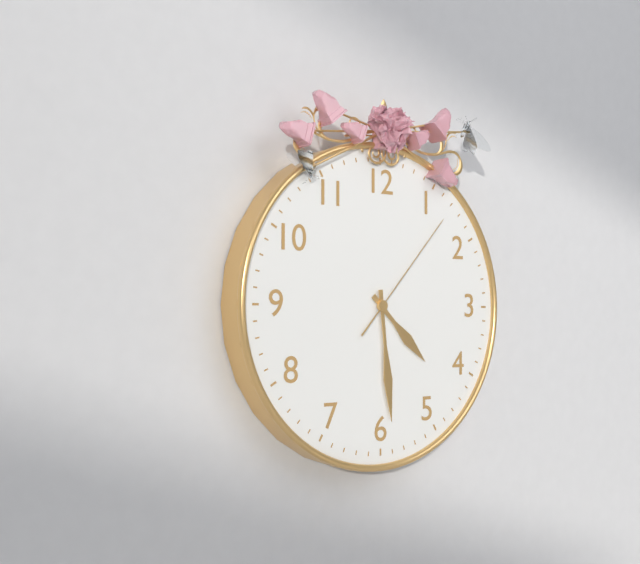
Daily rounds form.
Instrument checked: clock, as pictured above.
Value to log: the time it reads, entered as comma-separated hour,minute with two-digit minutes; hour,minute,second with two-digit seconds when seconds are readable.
4,29,07
